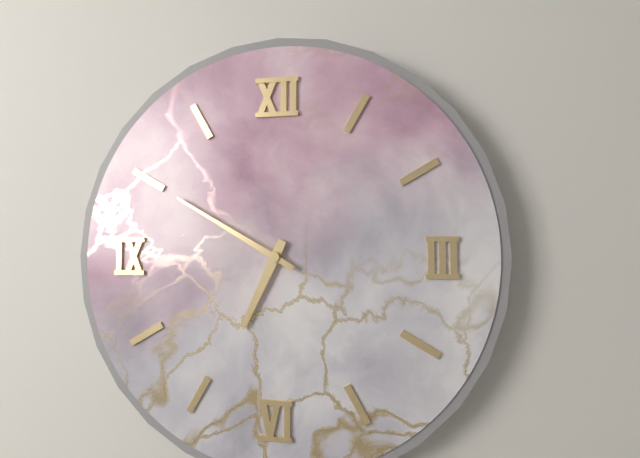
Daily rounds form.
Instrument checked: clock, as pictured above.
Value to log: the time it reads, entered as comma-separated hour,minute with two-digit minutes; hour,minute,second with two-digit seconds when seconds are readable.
6,50
